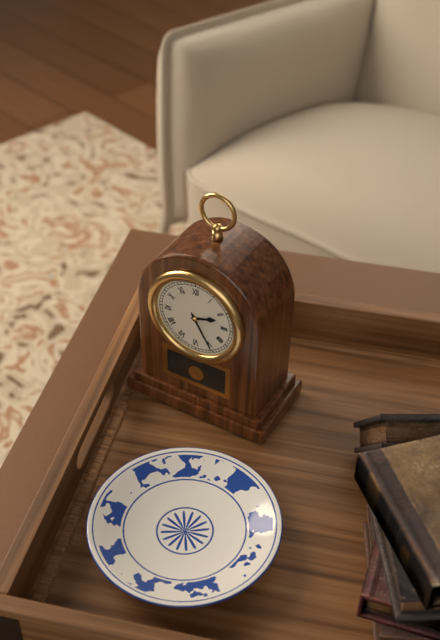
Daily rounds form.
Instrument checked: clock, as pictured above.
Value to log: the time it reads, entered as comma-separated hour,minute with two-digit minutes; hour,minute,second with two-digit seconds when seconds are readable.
2,25
